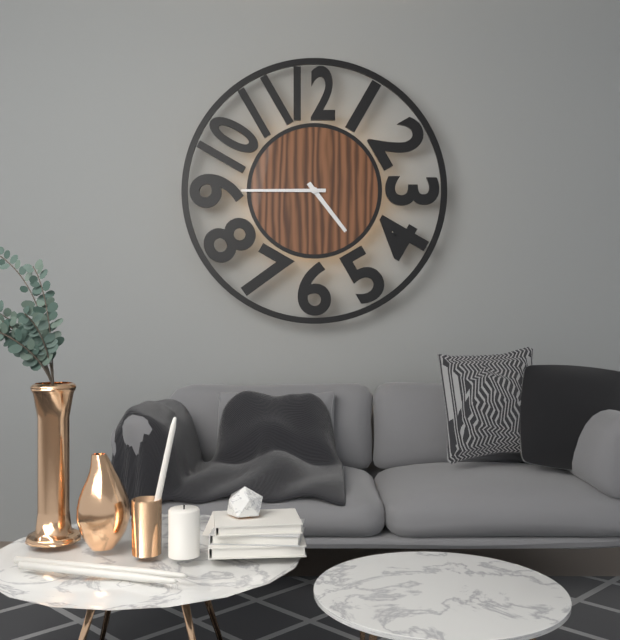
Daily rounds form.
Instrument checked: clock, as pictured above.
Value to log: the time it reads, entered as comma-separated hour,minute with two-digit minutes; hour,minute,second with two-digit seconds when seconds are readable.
4,45
